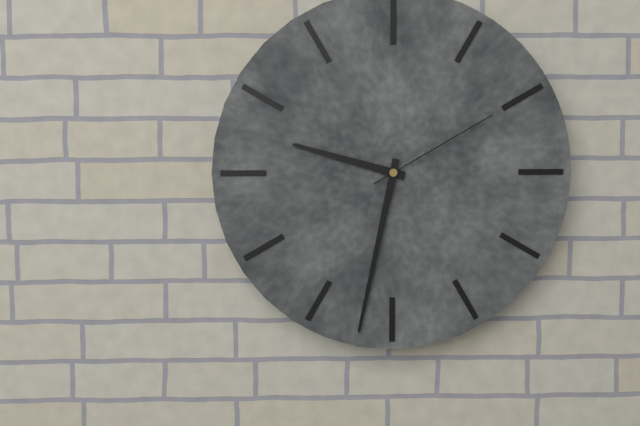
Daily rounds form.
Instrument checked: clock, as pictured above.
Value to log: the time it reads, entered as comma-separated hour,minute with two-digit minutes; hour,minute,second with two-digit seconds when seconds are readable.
9,32,10
